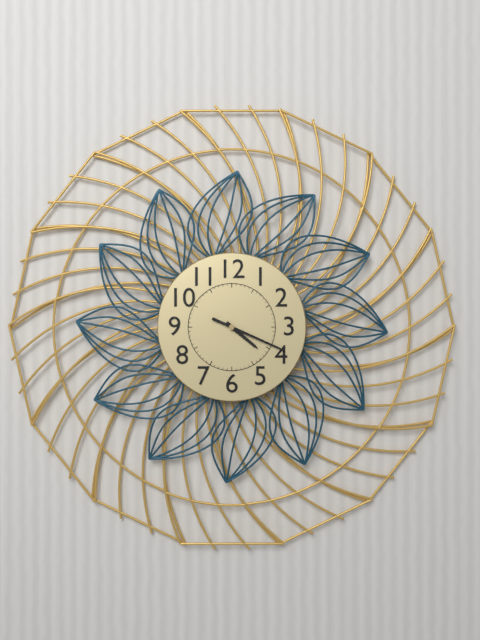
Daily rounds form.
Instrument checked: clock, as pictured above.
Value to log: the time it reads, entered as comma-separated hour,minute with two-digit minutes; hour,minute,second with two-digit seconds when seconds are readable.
4,19
